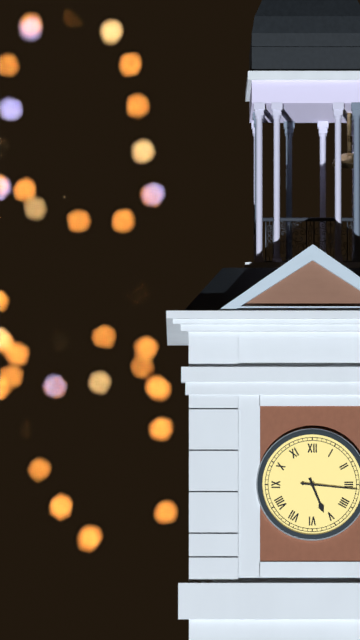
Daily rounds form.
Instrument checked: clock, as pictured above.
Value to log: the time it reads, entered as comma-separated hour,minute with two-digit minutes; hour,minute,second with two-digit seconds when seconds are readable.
5,16
